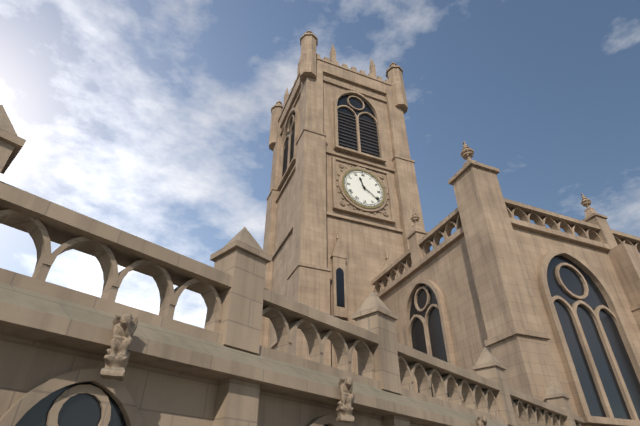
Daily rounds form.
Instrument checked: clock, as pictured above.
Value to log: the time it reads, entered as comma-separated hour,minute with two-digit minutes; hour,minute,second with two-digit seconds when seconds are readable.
11,21
